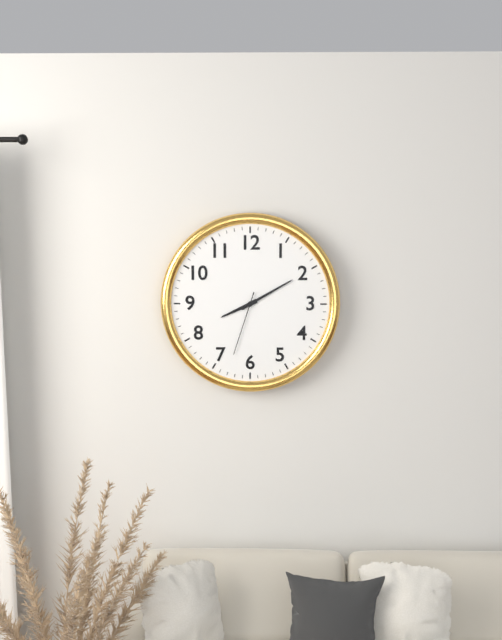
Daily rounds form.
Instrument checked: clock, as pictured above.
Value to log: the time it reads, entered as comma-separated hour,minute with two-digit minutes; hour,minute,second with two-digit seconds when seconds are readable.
8,10,33
